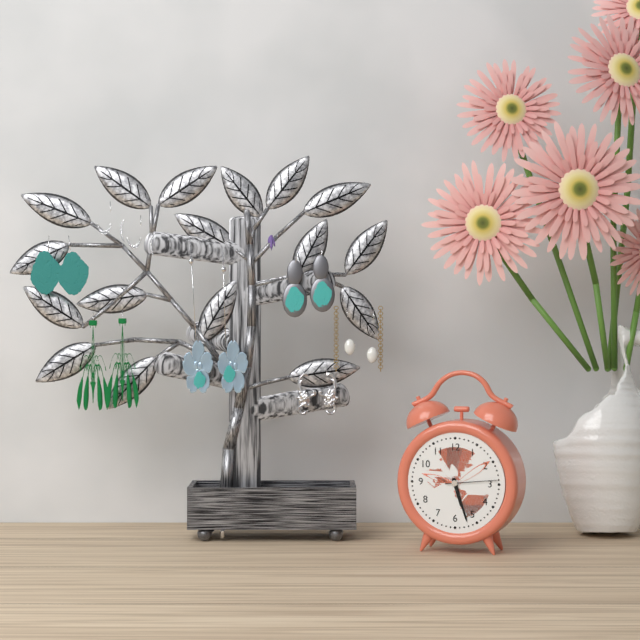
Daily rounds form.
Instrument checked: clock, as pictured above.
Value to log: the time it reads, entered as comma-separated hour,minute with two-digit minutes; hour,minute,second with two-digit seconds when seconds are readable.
5,27,14
